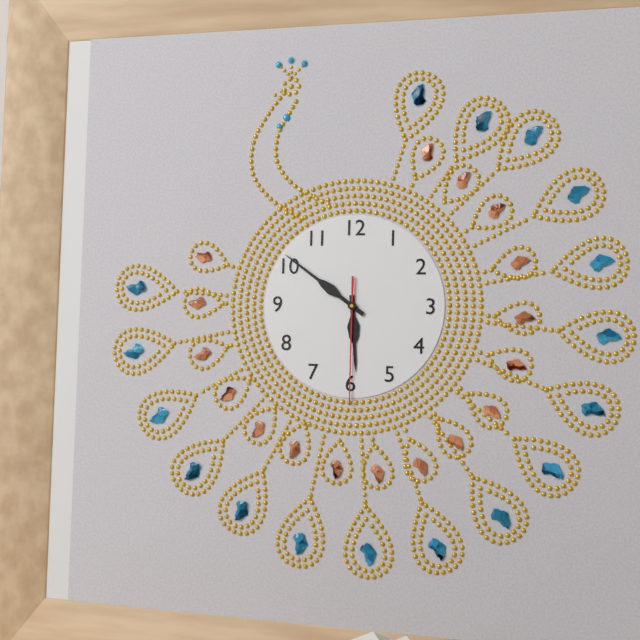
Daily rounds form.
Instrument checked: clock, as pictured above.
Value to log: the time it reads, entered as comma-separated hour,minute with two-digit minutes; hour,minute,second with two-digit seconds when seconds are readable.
5,51,30
